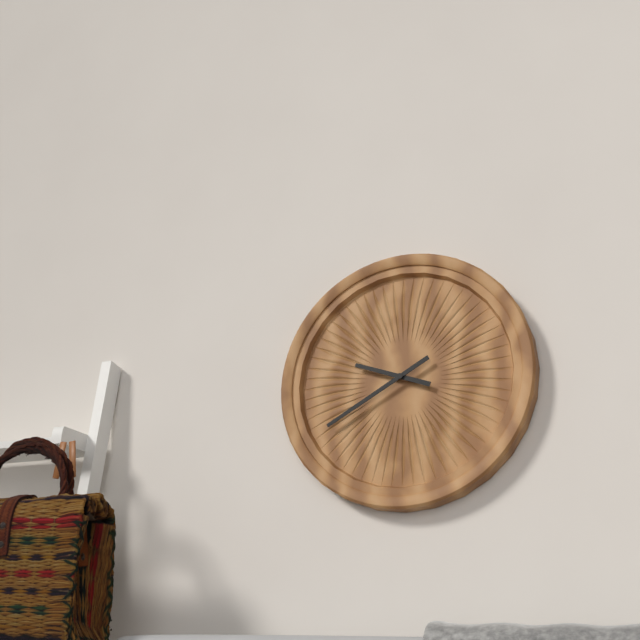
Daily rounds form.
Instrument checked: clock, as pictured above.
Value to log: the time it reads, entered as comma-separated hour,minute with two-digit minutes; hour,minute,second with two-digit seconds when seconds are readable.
9,40
